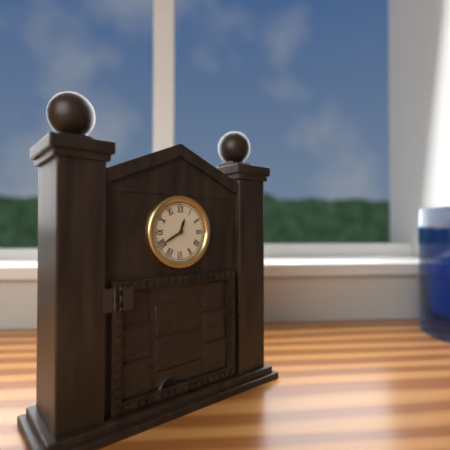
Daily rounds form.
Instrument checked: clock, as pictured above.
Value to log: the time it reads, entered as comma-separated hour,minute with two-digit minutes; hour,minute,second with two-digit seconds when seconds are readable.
12,40
